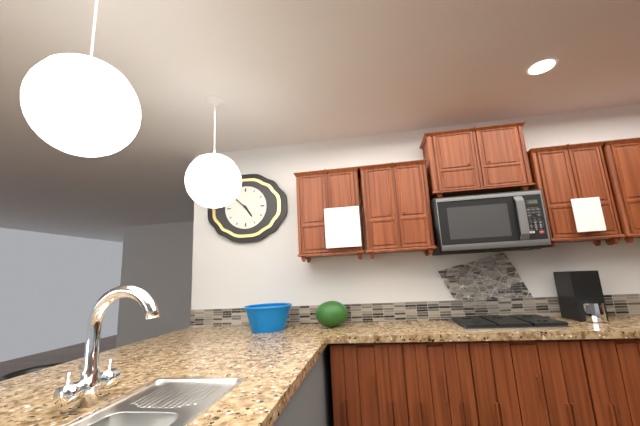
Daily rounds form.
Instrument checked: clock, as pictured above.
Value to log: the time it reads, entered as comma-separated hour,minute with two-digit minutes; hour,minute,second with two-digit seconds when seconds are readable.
4,52
